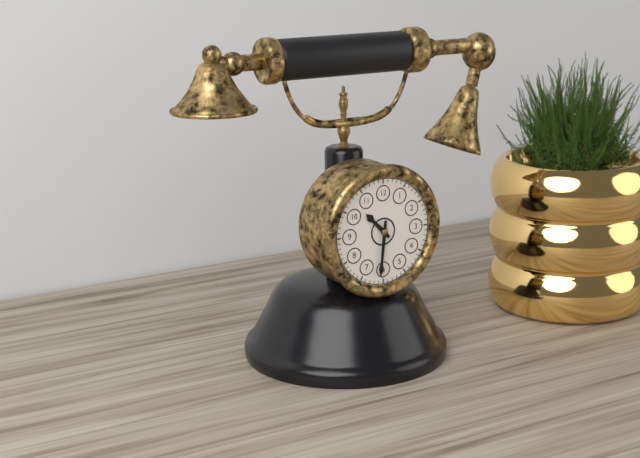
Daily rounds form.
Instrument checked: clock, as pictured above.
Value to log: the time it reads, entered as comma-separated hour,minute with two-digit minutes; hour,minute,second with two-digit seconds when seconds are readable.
10,31
